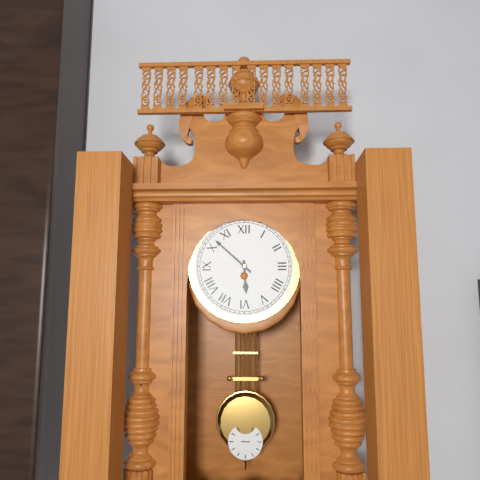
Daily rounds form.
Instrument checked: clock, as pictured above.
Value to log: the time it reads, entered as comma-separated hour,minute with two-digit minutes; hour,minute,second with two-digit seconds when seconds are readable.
5,52
